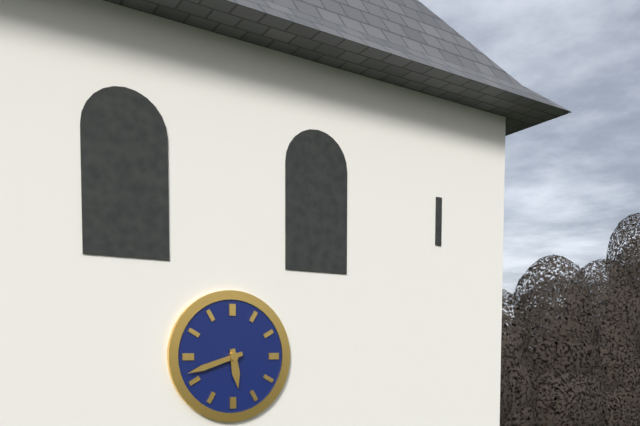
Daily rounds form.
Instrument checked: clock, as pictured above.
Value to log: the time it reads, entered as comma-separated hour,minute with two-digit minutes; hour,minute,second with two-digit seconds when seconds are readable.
5,42
